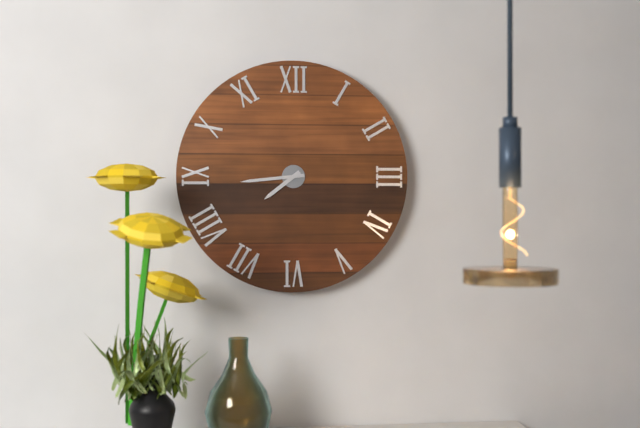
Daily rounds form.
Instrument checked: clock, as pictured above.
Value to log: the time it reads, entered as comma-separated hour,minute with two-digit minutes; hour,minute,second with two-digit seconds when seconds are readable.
7,44
